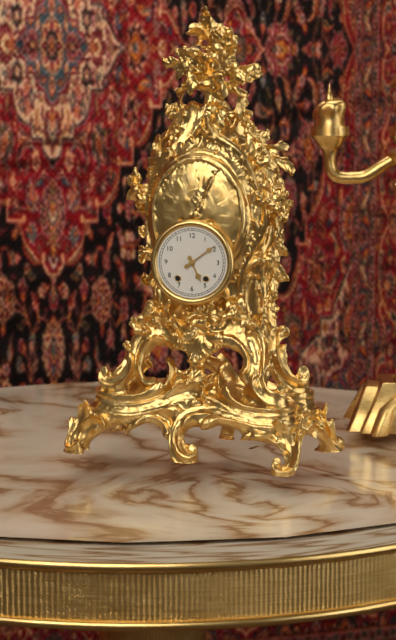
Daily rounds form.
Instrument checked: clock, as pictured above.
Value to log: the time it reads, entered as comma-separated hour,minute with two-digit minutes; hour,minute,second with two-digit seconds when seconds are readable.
5,09
